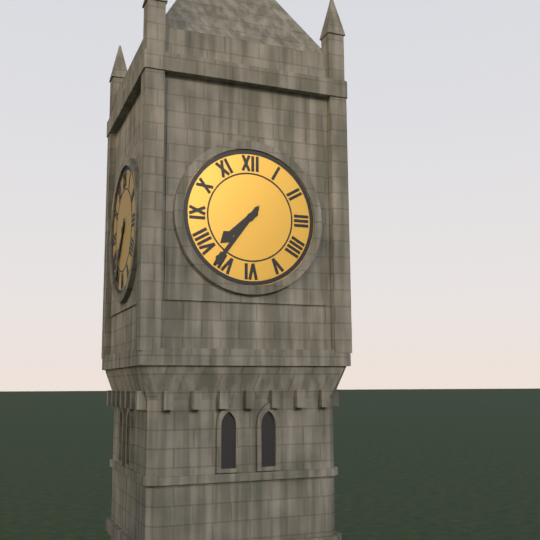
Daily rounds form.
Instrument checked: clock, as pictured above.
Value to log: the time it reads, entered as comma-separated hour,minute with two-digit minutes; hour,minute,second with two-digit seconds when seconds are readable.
7,36
